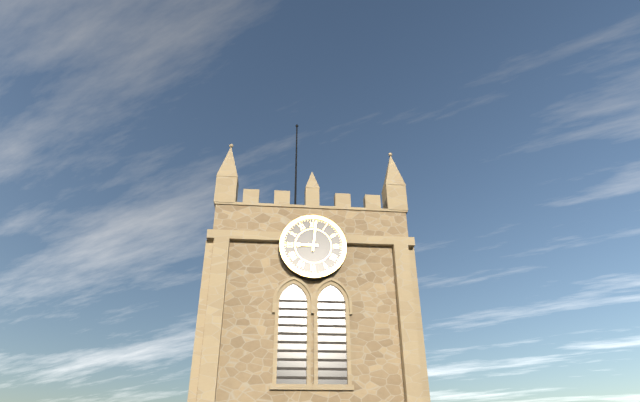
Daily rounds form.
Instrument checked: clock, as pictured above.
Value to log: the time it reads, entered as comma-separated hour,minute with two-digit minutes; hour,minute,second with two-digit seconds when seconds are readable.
9,01
